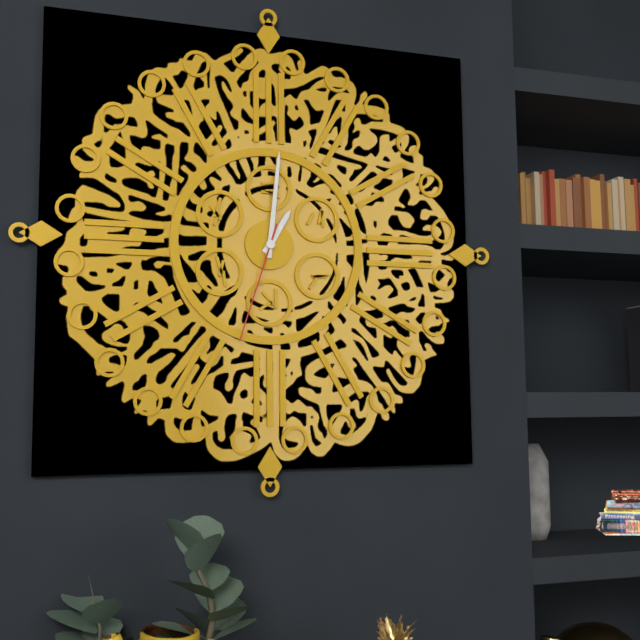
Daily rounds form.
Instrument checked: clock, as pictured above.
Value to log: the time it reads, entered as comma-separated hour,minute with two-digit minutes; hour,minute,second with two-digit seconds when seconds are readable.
1,01,33
